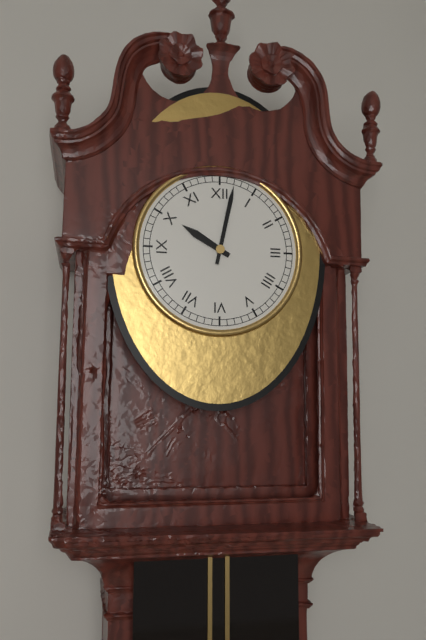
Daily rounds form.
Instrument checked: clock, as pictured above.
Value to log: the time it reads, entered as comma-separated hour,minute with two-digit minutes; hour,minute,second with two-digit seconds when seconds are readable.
10,02
